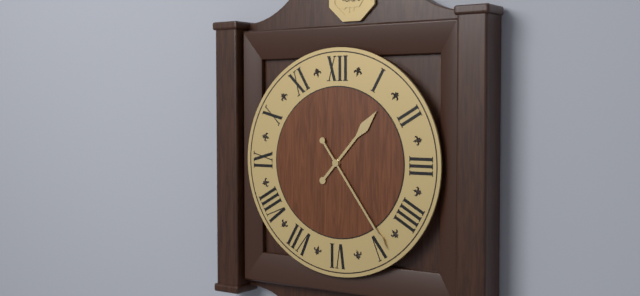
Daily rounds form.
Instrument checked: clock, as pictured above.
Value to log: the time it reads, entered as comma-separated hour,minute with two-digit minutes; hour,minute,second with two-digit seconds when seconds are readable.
1,24
